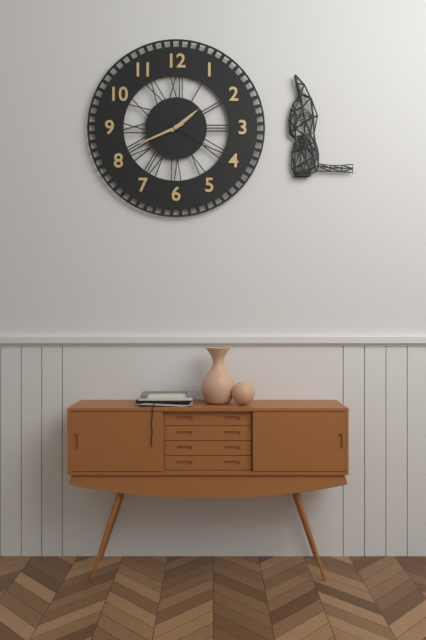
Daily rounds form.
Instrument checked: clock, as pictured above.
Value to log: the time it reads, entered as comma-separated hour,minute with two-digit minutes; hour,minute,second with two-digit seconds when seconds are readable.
1,41
